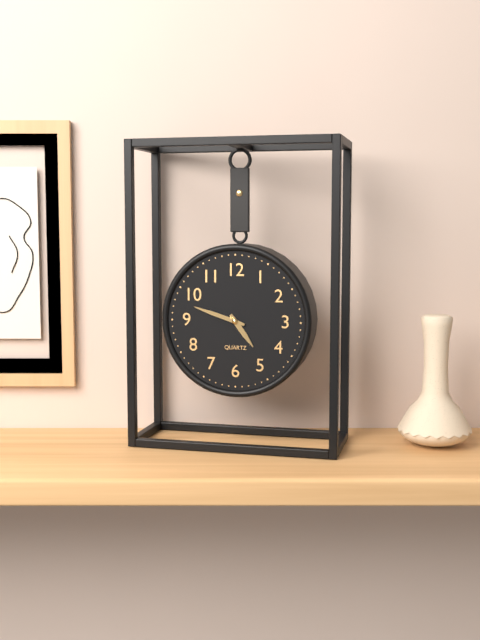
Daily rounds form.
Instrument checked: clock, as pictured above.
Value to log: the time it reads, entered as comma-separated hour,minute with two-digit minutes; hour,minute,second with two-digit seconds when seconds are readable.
4,48
